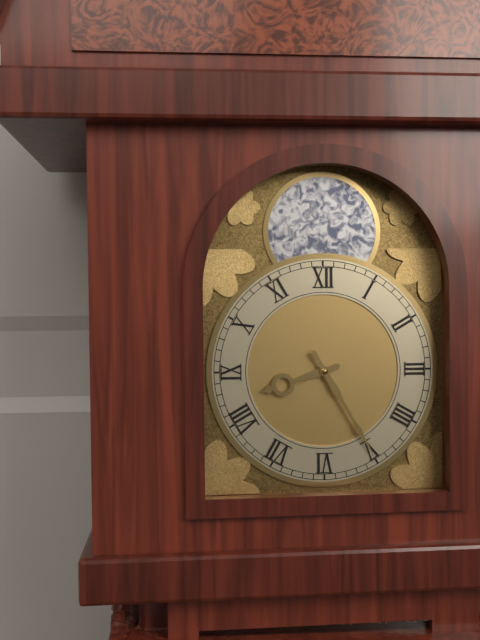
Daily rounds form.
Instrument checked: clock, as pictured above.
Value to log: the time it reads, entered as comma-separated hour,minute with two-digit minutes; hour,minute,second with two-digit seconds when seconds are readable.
8,25
